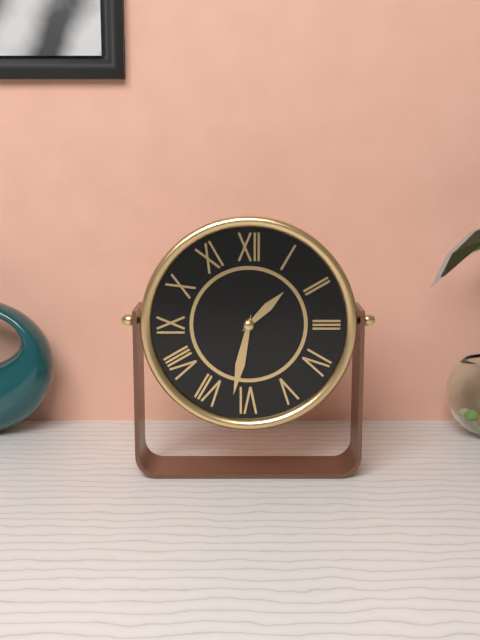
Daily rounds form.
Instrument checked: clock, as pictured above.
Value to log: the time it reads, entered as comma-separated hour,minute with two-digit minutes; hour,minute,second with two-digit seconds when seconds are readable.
1,32
